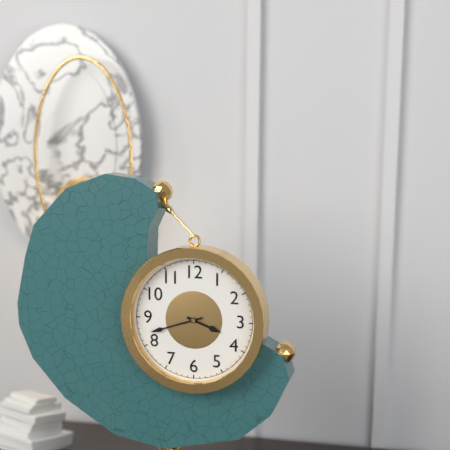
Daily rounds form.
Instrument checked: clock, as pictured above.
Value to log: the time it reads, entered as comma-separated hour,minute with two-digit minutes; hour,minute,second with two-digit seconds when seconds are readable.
3,42
